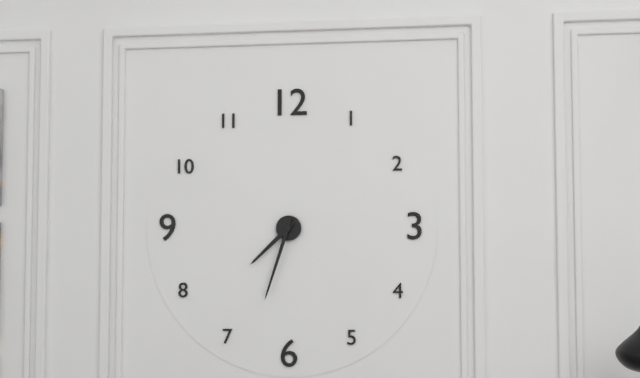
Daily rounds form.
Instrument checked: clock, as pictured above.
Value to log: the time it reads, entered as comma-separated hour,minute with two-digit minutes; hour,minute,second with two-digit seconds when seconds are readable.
7,33
